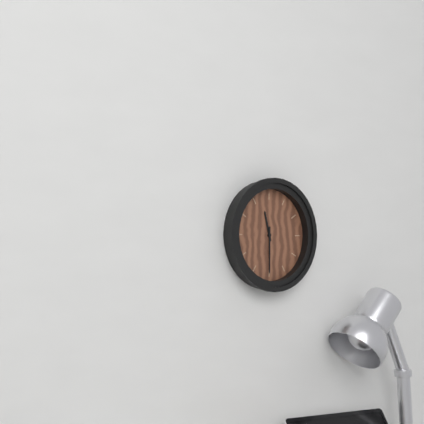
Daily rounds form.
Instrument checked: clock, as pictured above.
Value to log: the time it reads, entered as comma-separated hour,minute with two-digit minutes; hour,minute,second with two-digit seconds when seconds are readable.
11,30
